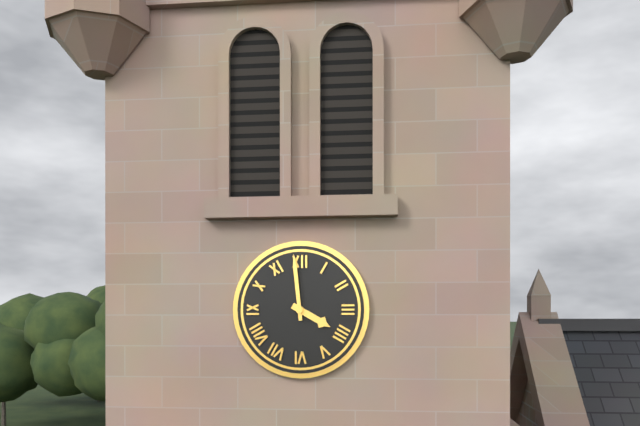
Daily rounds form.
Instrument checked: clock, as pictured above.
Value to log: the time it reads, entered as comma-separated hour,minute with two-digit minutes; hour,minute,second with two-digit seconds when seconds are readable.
3,59
